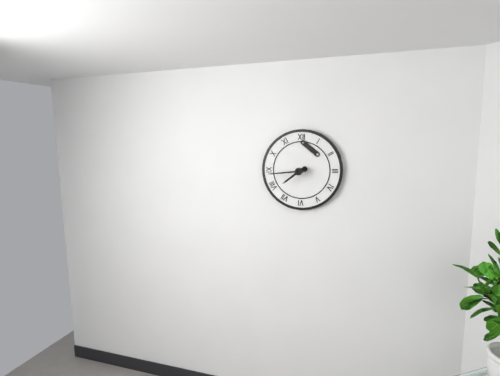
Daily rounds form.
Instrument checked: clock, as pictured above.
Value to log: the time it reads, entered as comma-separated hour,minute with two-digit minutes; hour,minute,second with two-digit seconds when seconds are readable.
7,44
